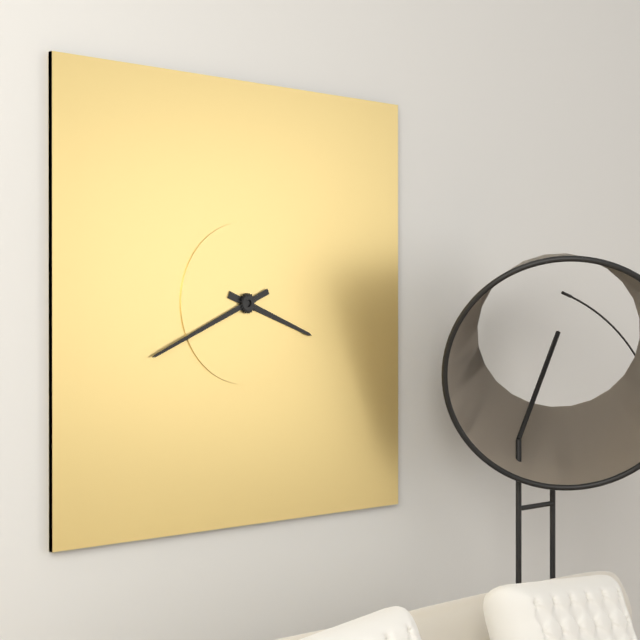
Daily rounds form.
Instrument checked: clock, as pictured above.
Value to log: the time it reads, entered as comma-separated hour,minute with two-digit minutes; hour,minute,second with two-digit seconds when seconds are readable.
3,41
